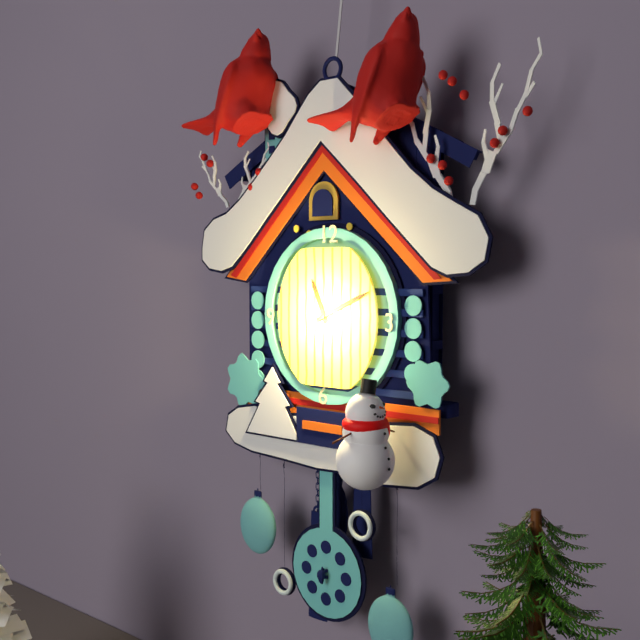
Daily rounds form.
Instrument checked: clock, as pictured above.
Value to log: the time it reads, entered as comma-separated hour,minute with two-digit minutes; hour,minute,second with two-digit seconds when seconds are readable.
11,11
